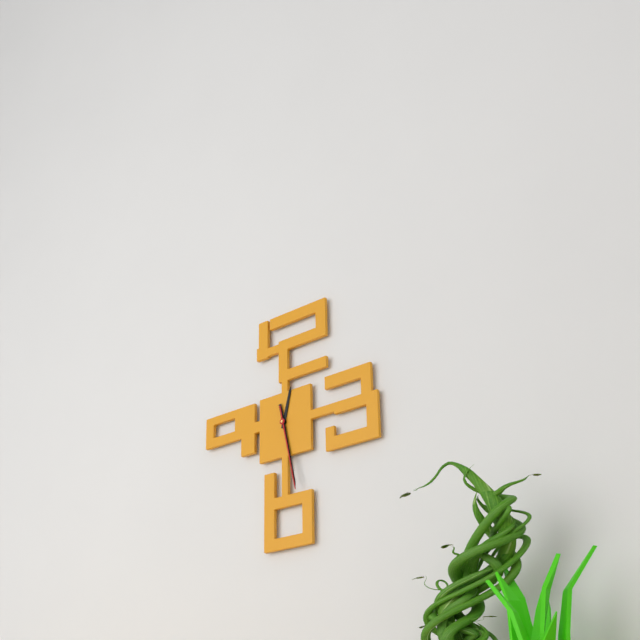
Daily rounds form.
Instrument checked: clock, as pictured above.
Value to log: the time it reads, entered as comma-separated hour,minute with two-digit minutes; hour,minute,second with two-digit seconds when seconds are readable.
12,28,28
